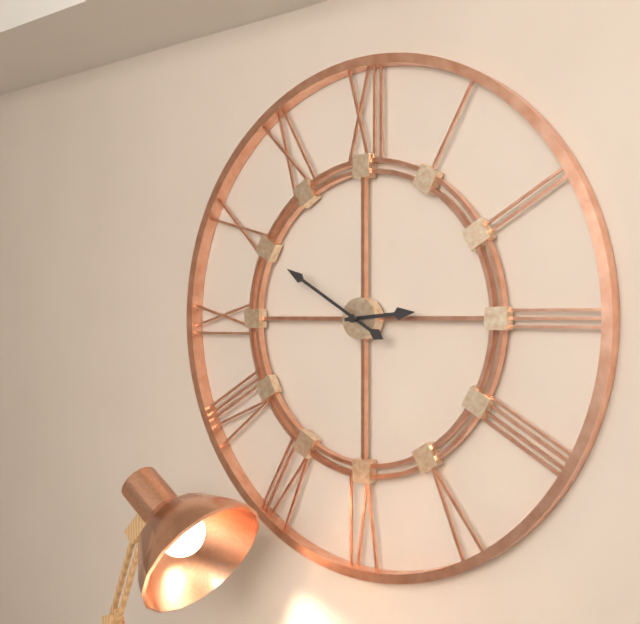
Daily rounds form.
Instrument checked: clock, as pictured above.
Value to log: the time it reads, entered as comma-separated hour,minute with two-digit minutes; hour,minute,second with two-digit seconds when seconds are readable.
2,50
